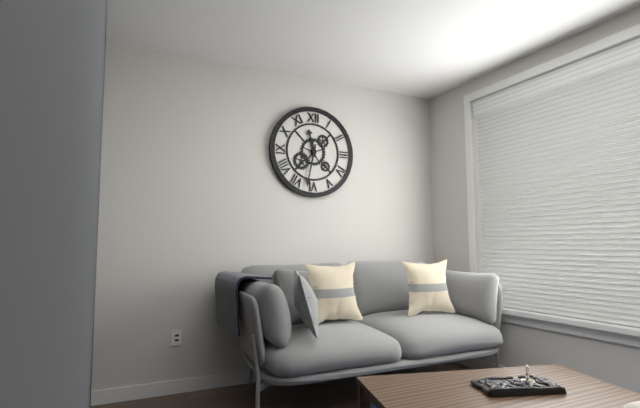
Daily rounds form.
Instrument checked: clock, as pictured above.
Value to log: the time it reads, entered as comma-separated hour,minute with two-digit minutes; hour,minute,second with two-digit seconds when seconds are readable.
11,32
